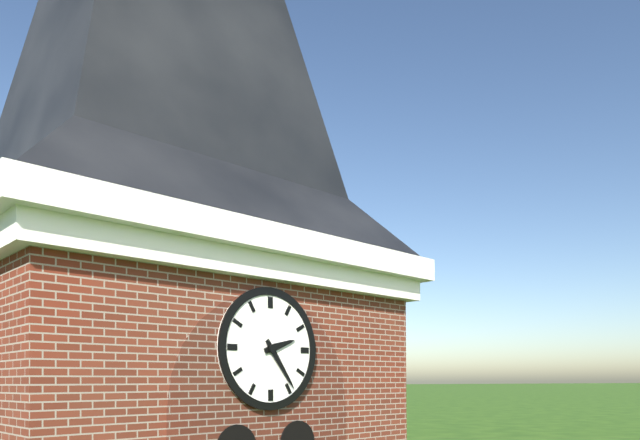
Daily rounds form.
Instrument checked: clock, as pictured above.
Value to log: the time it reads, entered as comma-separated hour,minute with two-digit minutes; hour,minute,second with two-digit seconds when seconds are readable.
2,24
